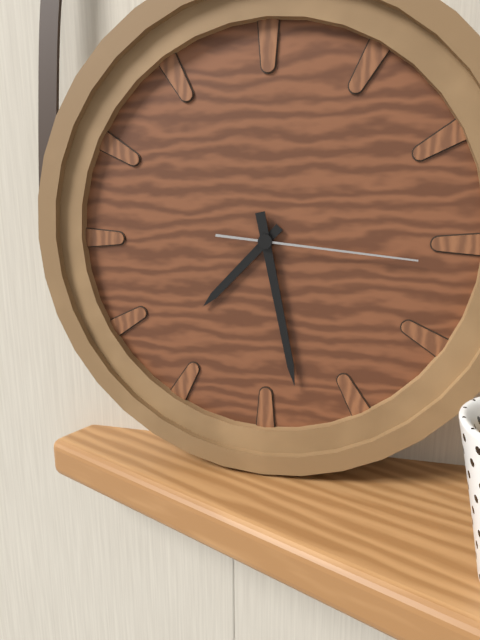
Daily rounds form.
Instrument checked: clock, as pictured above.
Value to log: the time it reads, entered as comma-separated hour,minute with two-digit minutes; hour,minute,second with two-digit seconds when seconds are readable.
7,28,16
